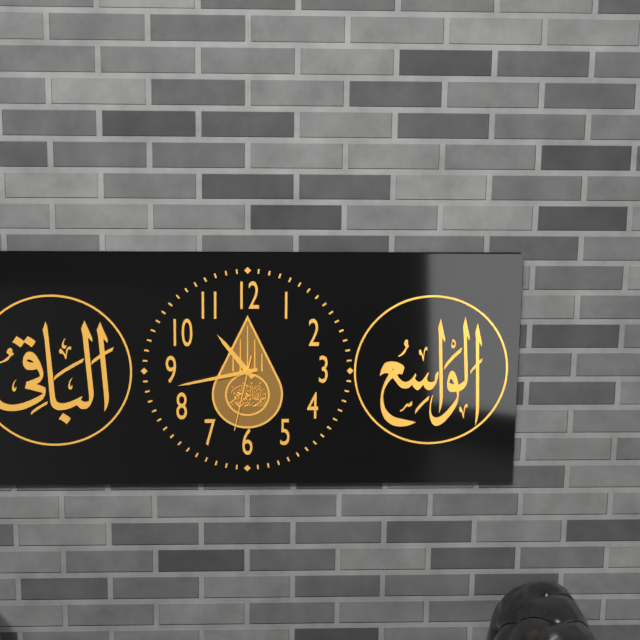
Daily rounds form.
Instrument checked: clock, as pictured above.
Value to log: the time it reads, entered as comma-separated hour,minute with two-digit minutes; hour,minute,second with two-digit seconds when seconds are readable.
10,43,32
